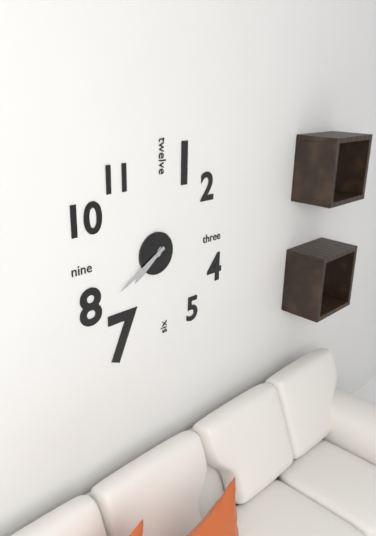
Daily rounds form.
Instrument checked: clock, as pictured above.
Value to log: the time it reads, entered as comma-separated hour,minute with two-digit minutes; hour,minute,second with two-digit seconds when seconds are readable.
7,40
